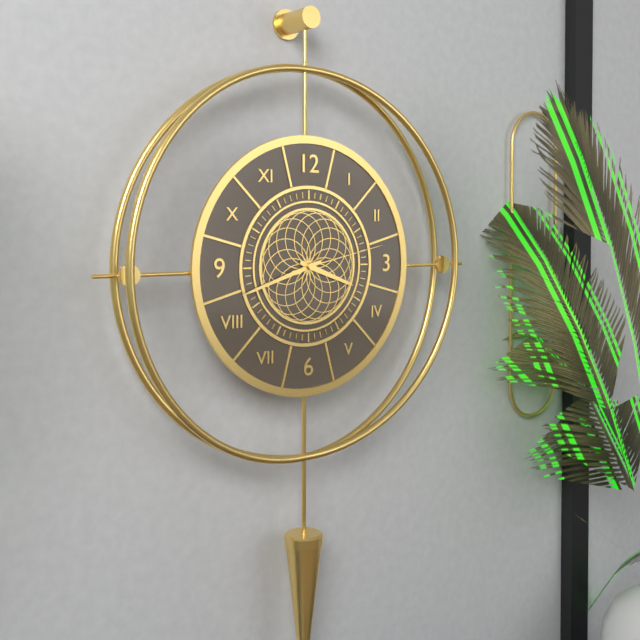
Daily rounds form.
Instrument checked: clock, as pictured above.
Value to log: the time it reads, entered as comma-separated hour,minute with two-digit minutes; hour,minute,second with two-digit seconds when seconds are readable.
3,42,13
